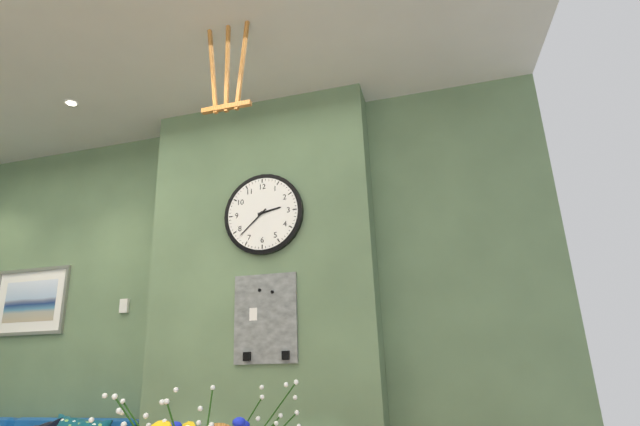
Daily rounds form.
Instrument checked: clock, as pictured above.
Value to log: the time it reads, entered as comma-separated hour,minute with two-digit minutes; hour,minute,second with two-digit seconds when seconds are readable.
2,38
